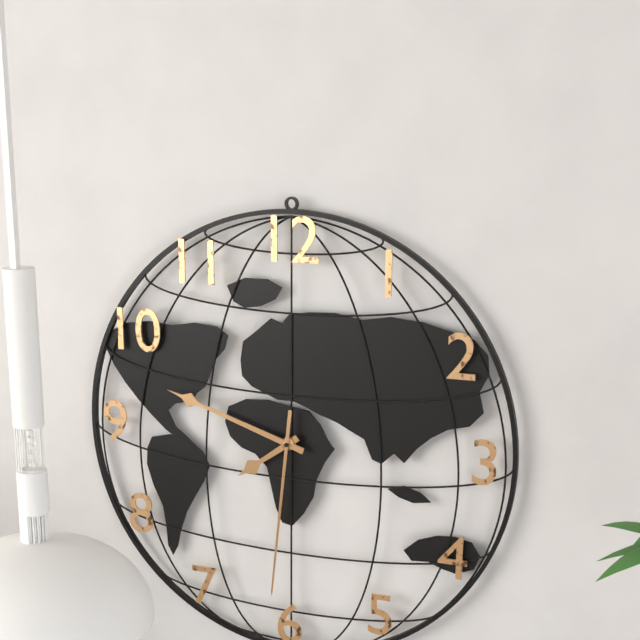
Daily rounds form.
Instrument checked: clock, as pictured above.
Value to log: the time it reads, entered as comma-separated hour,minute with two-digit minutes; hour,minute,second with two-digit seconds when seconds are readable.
7,48,31
